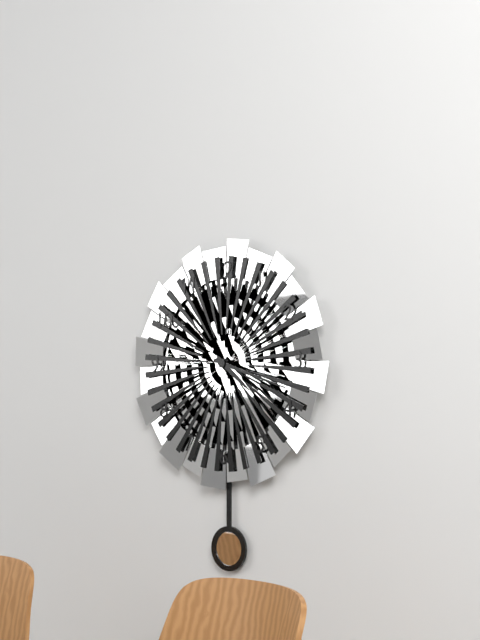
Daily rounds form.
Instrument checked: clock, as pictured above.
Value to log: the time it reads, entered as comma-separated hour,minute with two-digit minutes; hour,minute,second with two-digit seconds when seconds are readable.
4,18
